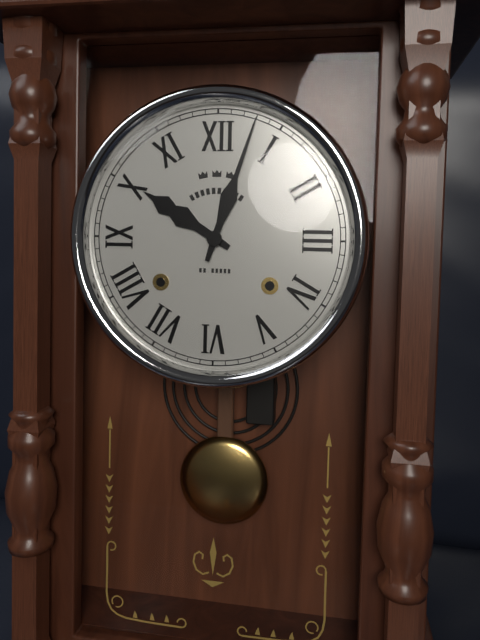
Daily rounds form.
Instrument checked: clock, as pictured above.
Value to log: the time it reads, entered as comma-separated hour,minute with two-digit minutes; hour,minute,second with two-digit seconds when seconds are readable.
10,03
